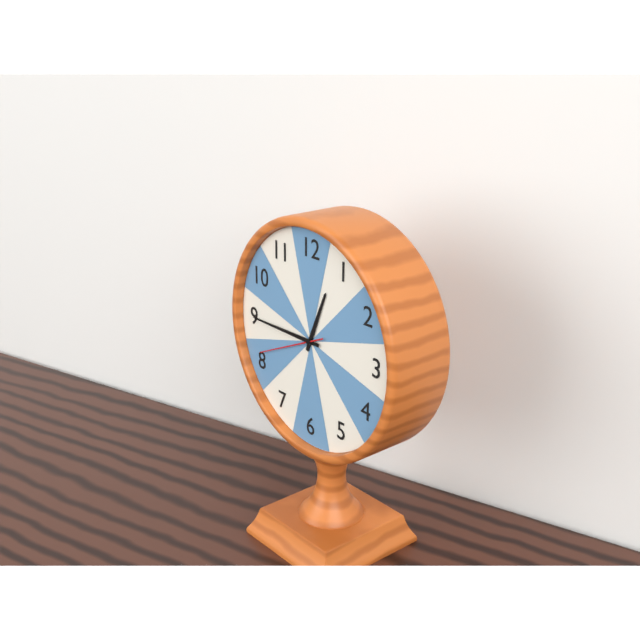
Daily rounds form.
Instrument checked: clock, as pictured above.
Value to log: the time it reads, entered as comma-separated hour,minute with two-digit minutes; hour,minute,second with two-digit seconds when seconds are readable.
12,45,41
